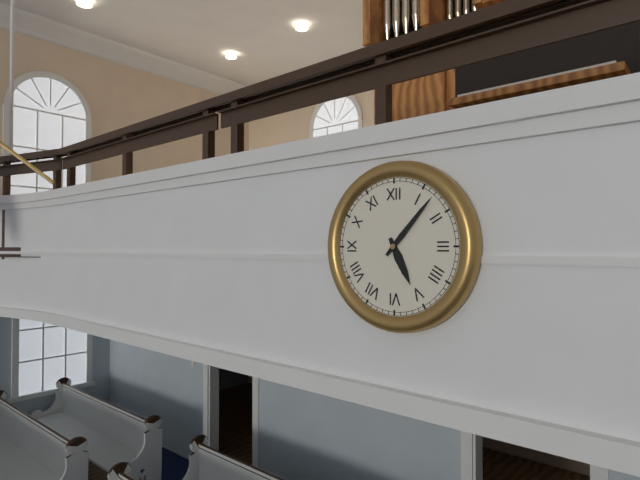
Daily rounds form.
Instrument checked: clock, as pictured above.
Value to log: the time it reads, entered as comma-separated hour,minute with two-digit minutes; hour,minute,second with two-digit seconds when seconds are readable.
5,07
